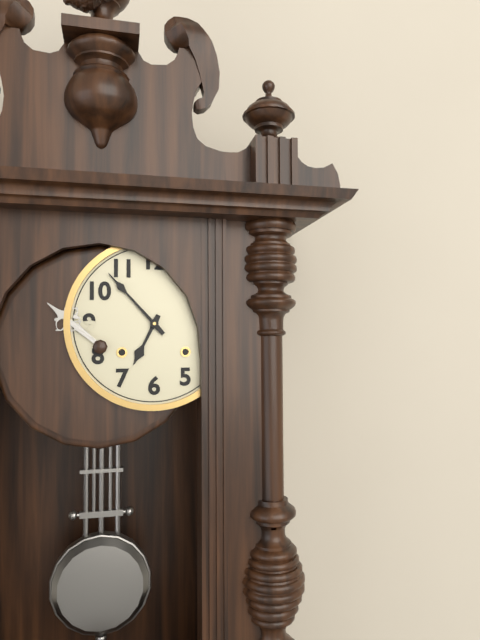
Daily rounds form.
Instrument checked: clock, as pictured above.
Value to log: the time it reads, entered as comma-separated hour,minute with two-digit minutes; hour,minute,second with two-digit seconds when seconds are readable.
6,53
